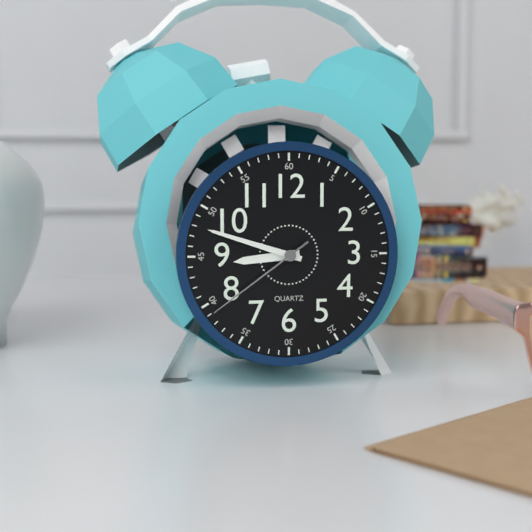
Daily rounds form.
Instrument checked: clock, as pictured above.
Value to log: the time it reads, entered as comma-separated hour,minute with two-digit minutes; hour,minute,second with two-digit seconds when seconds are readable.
8,48,39
